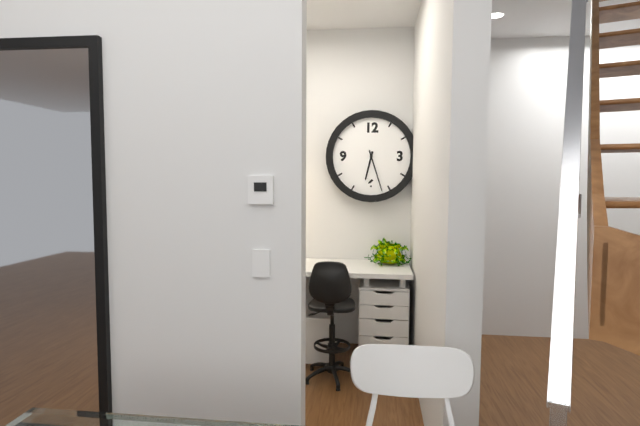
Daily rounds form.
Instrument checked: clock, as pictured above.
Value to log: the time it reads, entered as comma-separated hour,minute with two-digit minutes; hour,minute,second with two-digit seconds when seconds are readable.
6,27
